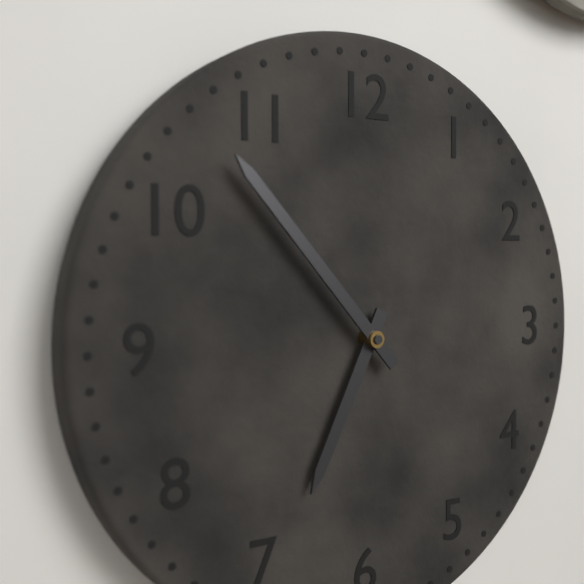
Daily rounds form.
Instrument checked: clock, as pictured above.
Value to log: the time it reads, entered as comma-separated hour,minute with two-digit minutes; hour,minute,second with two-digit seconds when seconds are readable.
6,53
